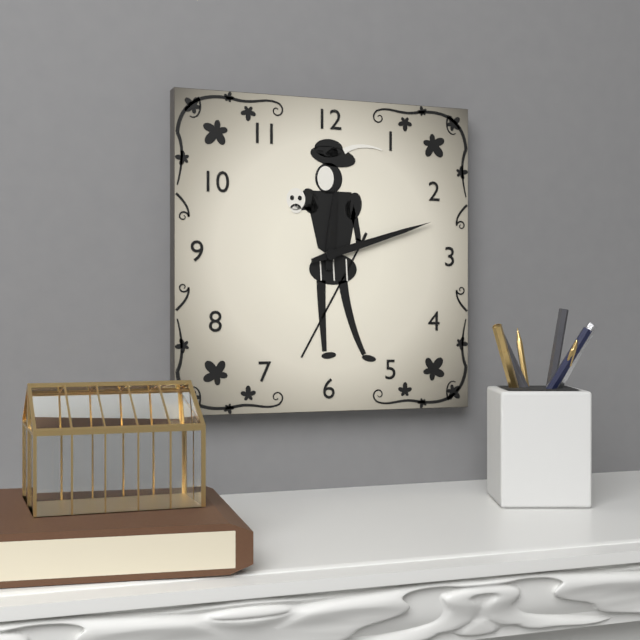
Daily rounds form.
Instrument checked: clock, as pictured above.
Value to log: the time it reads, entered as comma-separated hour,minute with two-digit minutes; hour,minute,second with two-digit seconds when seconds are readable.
12,12
